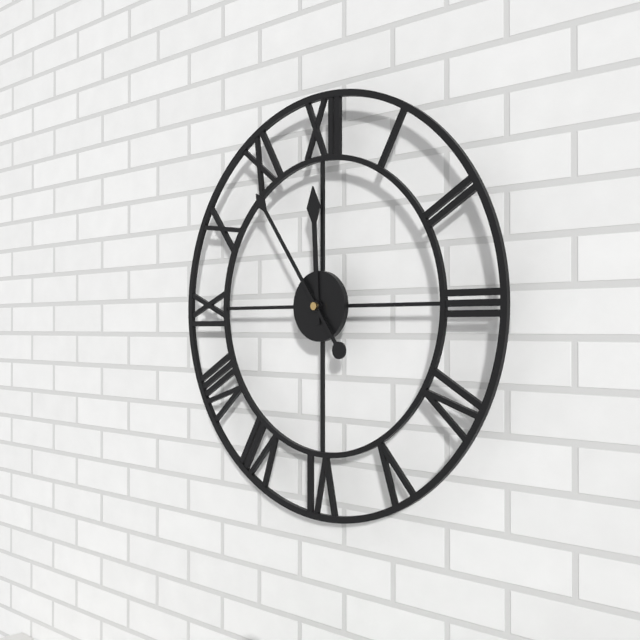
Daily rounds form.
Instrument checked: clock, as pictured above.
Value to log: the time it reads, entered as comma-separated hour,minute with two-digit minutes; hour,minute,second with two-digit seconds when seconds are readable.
11,54
